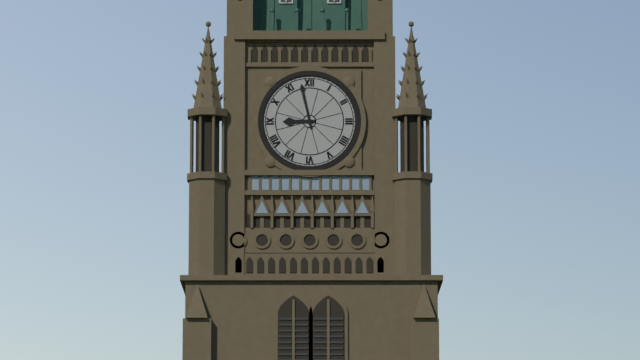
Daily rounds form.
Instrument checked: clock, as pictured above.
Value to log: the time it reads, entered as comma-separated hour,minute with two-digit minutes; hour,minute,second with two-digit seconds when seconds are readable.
8,58
